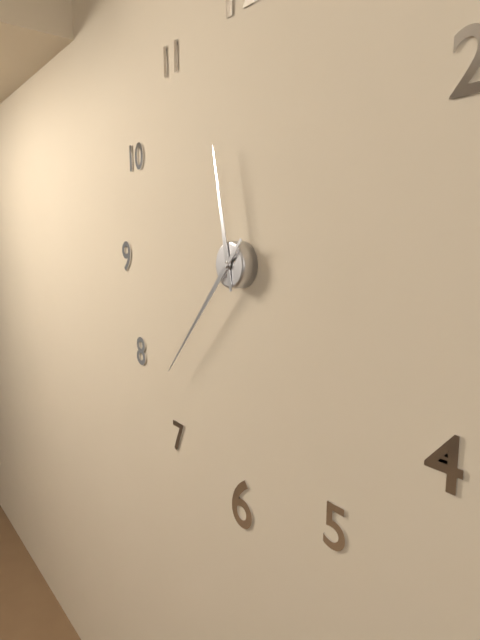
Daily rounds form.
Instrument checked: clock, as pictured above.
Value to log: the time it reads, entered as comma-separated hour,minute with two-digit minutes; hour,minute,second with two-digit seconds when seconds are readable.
11,37
